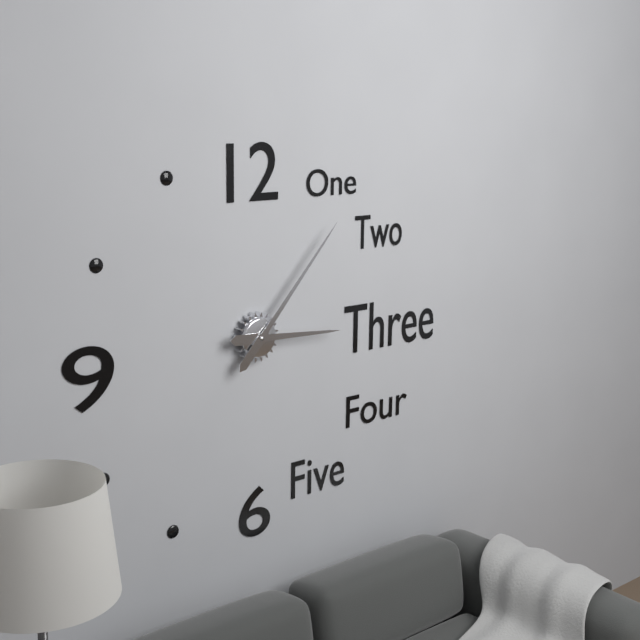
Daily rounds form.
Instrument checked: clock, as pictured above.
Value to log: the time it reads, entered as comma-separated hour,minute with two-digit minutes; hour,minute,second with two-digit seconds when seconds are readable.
3,07
